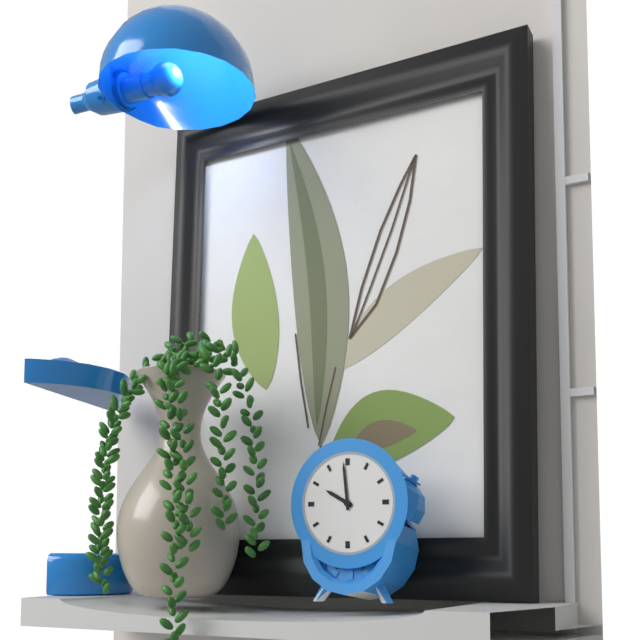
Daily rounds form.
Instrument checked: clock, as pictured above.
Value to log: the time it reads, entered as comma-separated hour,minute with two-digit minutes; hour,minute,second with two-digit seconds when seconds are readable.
9,59
